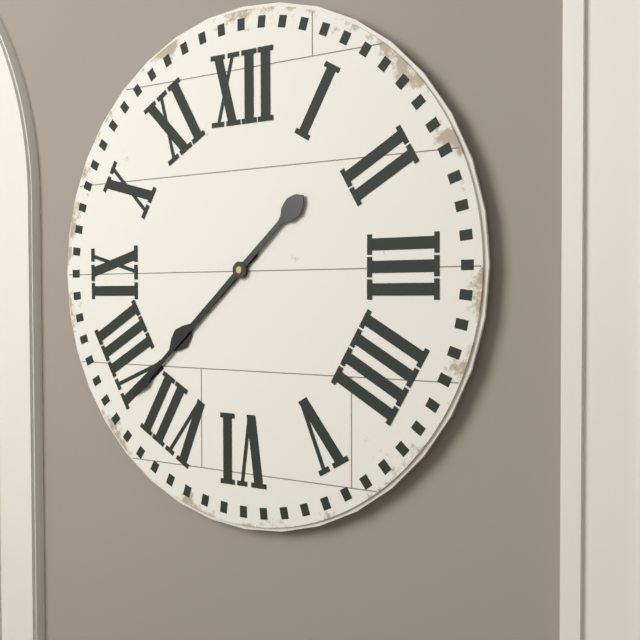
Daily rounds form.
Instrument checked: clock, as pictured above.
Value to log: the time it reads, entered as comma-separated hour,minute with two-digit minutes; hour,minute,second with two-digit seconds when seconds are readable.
7,38
